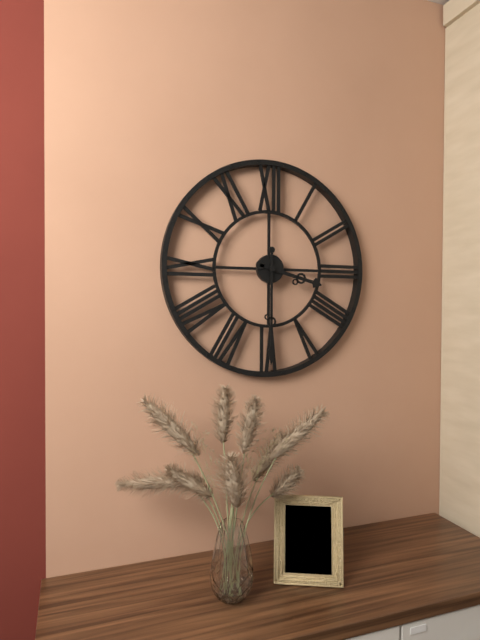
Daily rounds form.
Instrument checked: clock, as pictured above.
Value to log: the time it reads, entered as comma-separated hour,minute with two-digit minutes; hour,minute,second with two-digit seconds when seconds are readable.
3,30
